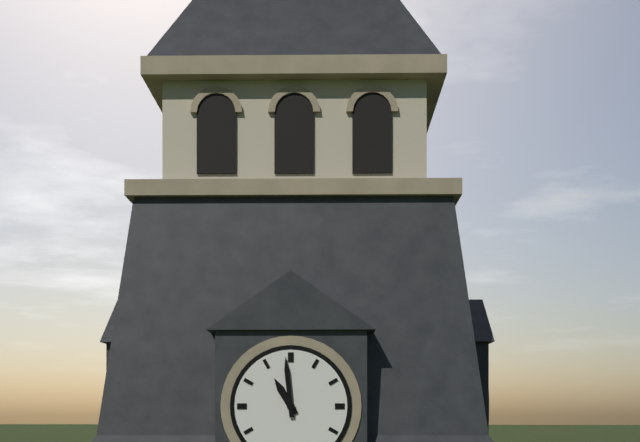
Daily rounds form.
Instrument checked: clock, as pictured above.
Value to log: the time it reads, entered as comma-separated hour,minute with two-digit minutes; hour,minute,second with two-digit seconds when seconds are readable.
10,59
